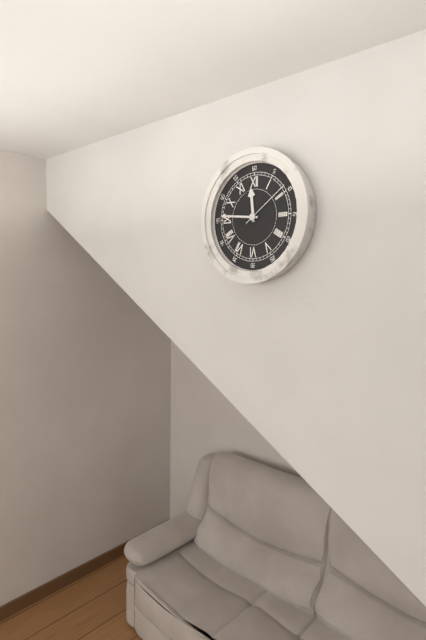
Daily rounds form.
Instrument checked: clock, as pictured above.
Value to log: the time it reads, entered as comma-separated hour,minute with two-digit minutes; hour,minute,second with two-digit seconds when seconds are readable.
11,46,09
